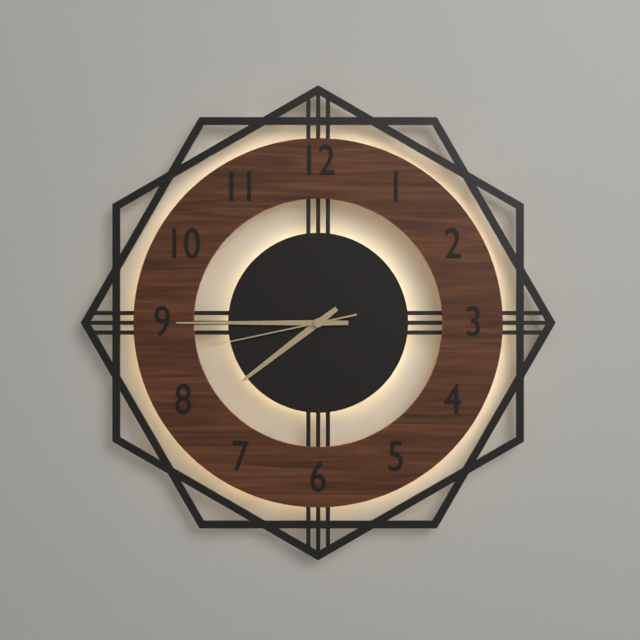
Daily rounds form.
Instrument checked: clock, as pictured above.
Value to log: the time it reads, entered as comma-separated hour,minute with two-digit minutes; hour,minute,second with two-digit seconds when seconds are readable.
7,45,43
